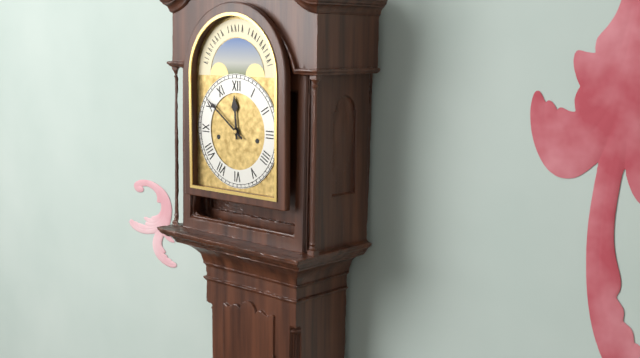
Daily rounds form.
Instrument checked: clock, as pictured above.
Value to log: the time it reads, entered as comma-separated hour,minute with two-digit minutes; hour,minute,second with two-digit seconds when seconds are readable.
11,51
